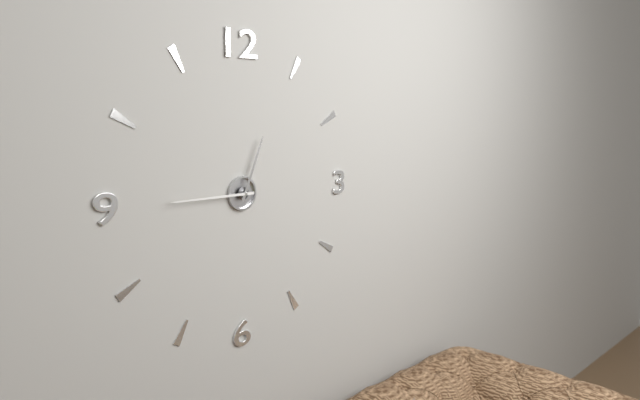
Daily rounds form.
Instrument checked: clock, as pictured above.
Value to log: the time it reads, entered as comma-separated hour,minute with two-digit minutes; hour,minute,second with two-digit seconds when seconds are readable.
12,45
